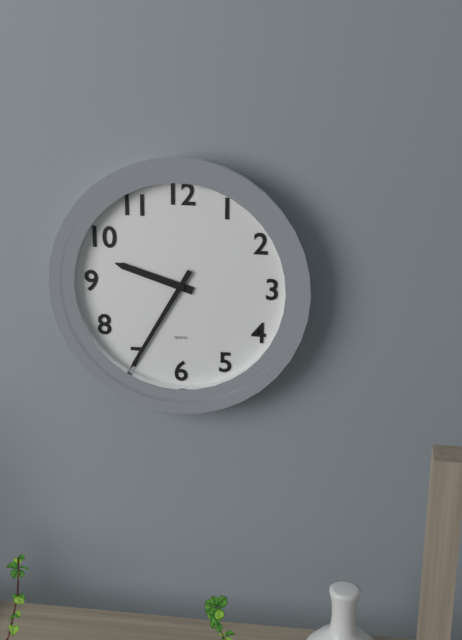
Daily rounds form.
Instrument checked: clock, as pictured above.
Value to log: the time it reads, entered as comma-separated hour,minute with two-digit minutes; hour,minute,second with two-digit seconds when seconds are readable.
9,35
